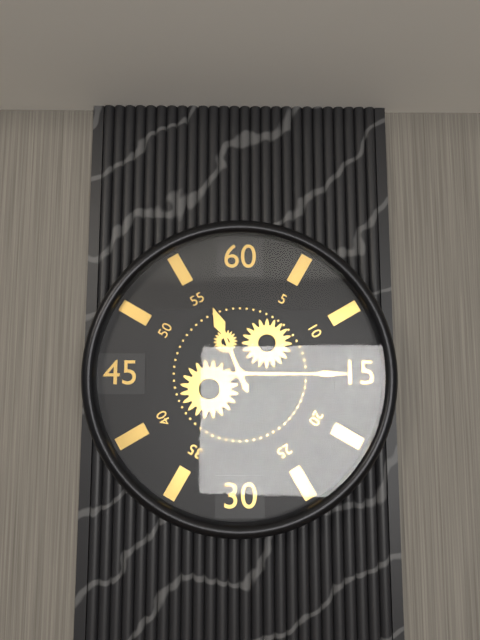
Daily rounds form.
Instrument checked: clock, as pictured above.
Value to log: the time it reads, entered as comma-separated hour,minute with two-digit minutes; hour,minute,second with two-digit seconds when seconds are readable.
11,15
